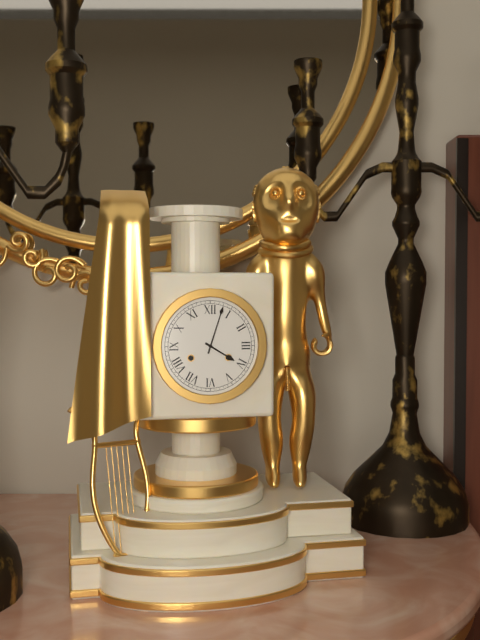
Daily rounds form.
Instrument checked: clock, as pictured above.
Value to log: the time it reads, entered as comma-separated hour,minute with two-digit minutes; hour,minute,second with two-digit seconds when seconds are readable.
4,03
